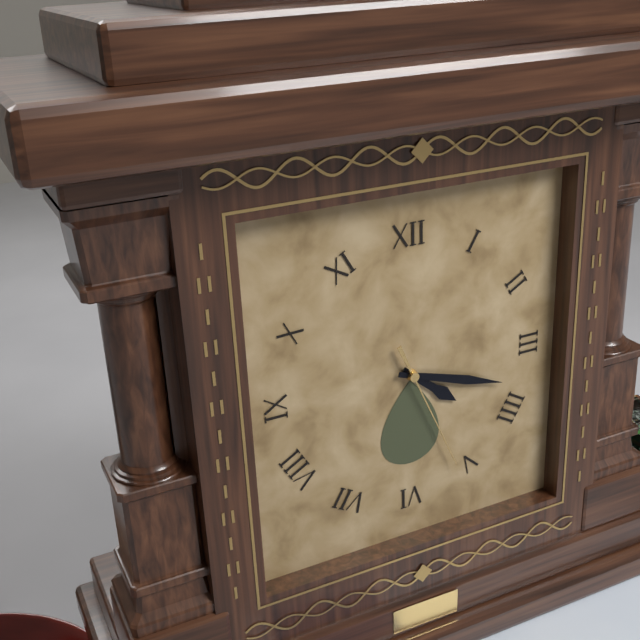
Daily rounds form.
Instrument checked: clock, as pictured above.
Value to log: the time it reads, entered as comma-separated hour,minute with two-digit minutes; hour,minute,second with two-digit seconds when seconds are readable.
4,18,26
